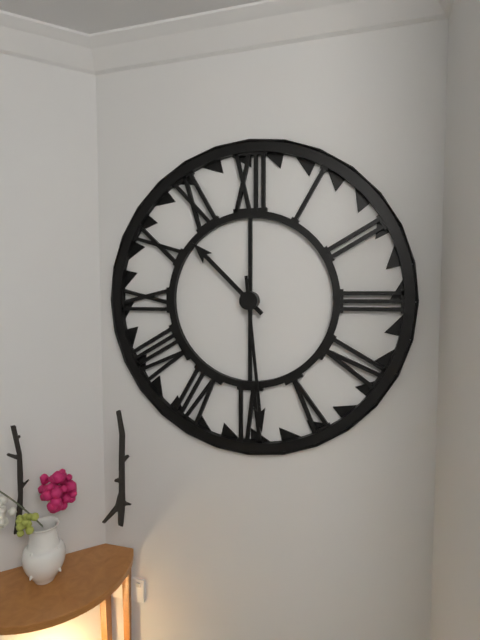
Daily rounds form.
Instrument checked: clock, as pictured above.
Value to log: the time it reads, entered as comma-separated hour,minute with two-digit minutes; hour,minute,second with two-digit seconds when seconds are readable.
10,29
